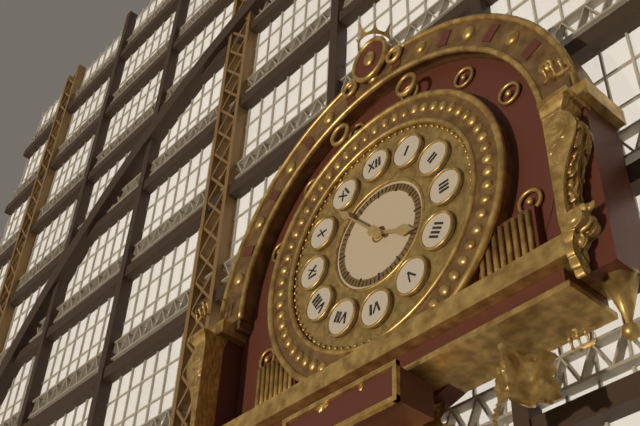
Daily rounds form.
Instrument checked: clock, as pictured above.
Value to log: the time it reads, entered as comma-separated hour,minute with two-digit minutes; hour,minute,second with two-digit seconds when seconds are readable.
3,53
